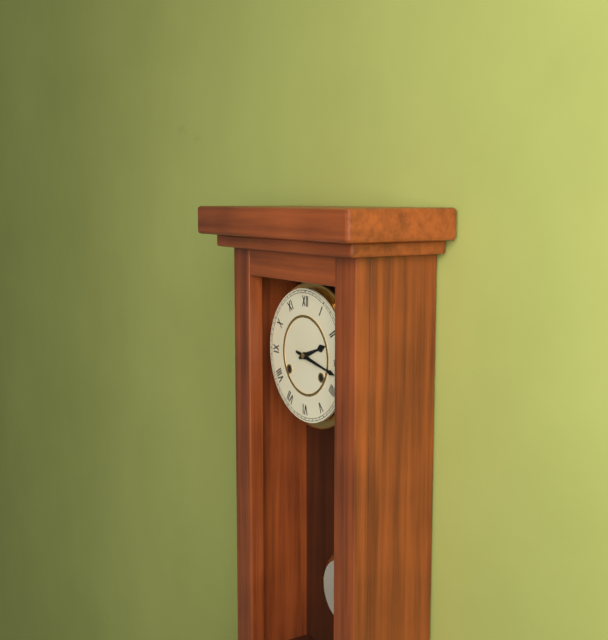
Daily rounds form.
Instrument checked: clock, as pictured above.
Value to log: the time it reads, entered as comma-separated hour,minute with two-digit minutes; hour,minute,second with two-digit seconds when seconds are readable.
2,17
